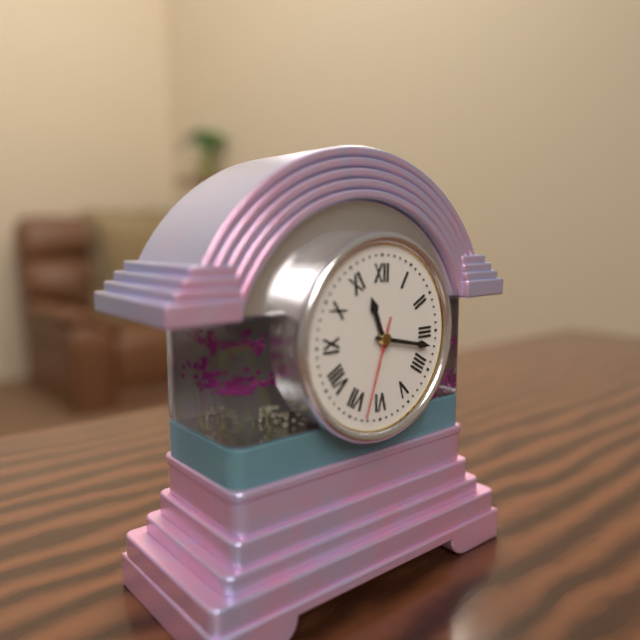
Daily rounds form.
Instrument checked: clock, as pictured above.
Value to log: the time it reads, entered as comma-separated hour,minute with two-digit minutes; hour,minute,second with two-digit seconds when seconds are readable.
11,17,33
